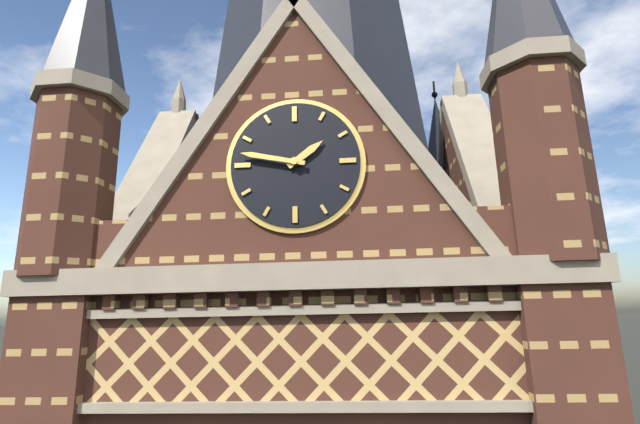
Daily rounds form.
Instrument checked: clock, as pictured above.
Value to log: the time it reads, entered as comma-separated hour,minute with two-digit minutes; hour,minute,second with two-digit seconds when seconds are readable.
1,47
